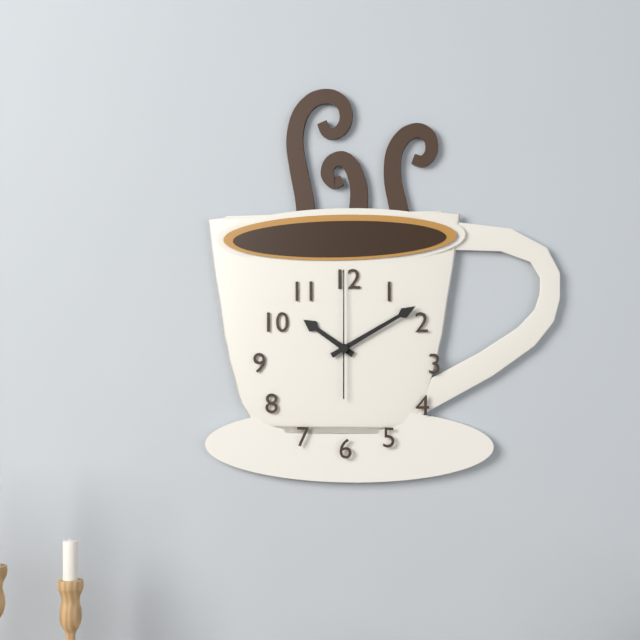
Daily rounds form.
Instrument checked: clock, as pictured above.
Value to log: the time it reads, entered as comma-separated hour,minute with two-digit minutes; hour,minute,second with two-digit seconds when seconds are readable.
10,10,00
